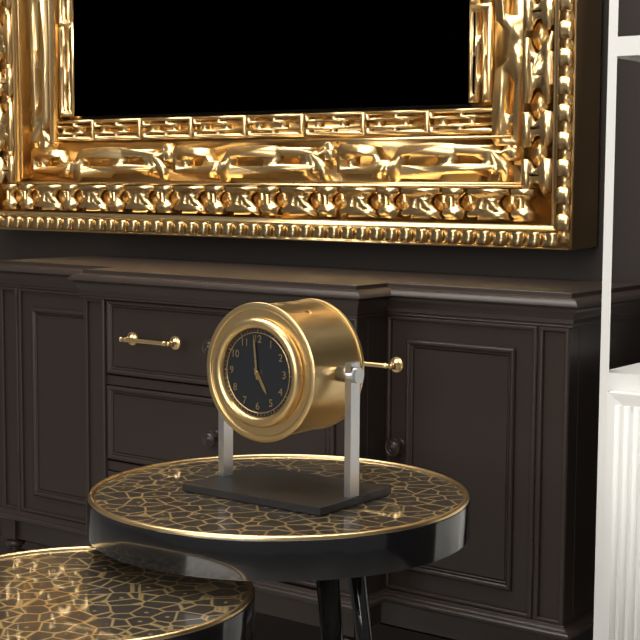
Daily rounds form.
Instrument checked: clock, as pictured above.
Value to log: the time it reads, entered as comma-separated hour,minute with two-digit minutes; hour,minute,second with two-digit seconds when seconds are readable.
4,59
